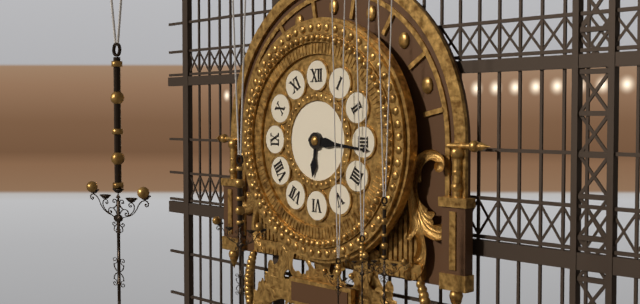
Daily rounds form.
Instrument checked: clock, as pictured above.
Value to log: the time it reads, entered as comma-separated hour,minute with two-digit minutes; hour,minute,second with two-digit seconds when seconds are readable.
6,16
